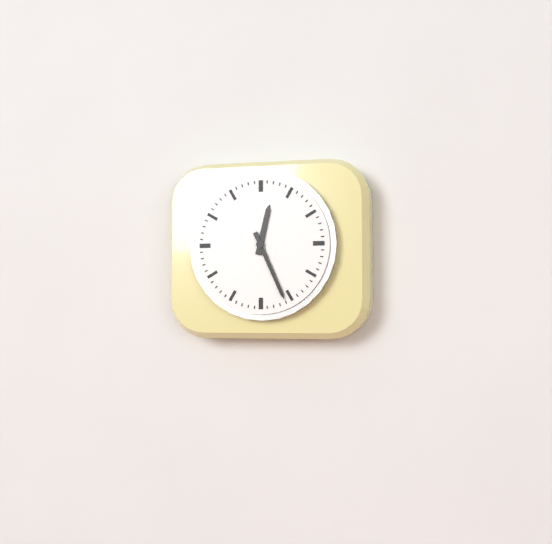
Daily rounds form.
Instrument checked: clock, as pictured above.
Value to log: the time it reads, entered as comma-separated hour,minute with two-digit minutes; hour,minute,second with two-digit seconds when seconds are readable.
12,26
